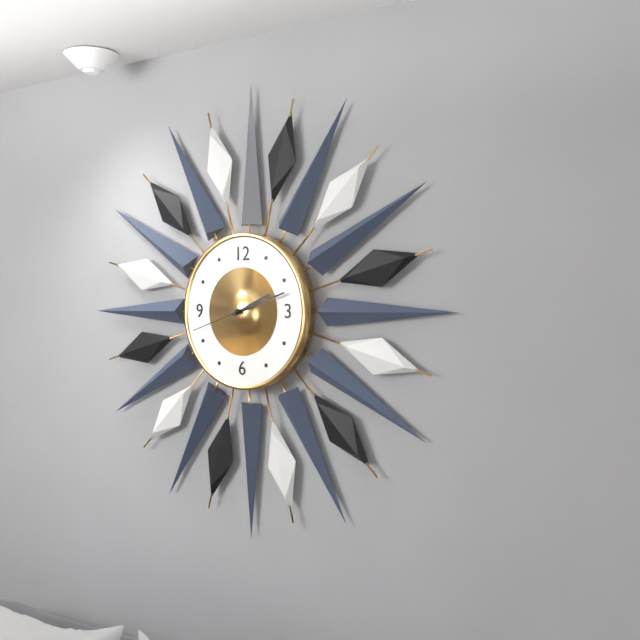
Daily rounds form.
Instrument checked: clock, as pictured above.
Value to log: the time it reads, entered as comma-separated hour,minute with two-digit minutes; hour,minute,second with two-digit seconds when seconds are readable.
2,12,42
